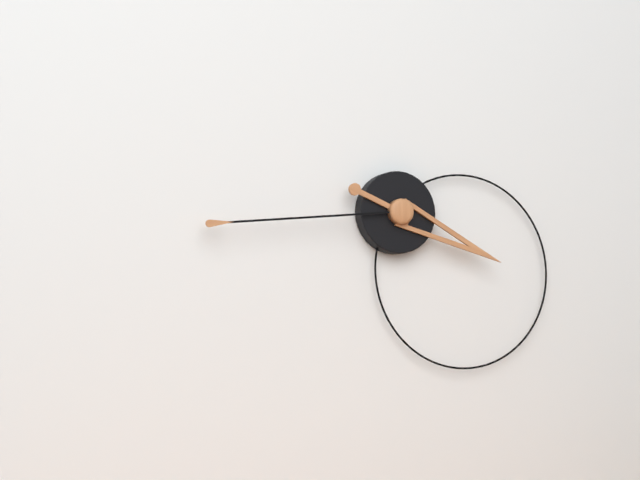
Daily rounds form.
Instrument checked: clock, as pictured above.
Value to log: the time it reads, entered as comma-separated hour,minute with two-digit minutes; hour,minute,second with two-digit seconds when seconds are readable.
3,44
